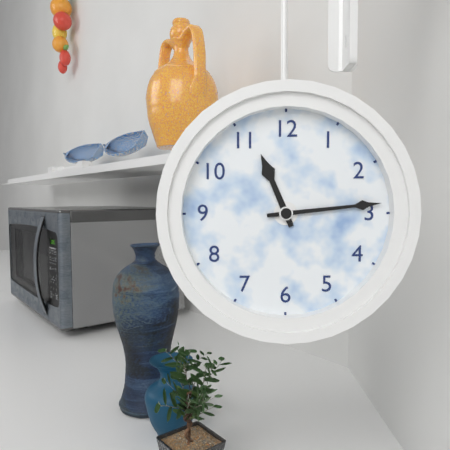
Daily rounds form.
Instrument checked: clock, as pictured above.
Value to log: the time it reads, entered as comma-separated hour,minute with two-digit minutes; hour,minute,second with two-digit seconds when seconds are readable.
11,14
